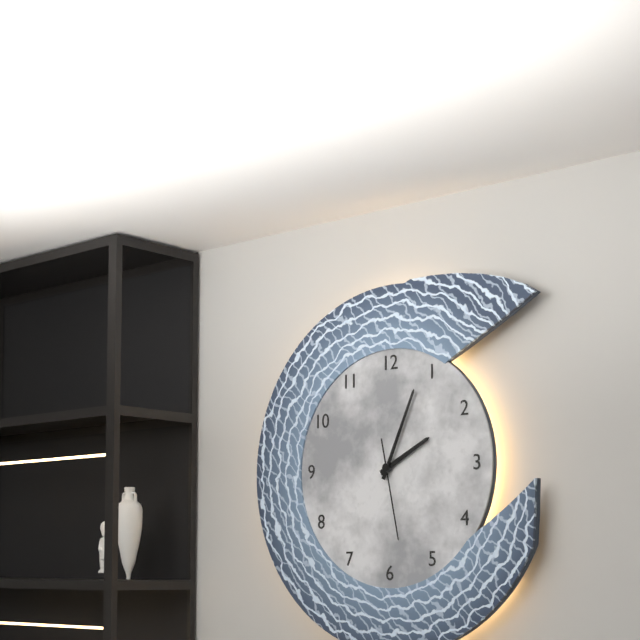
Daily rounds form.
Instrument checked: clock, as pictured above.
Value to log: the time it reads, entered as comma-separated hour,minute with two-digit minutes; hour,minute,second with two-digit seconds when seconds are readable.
2,04,28
